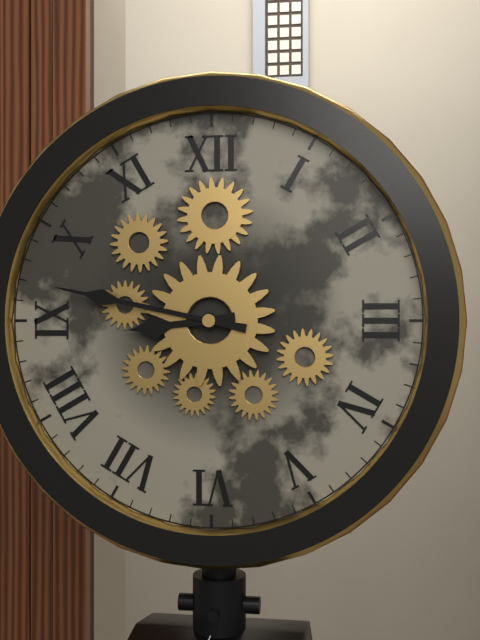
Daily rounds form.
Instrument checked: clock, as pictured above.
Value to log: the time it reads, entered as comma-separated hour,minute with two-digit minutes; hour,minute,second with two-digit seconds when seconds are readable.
8,47
